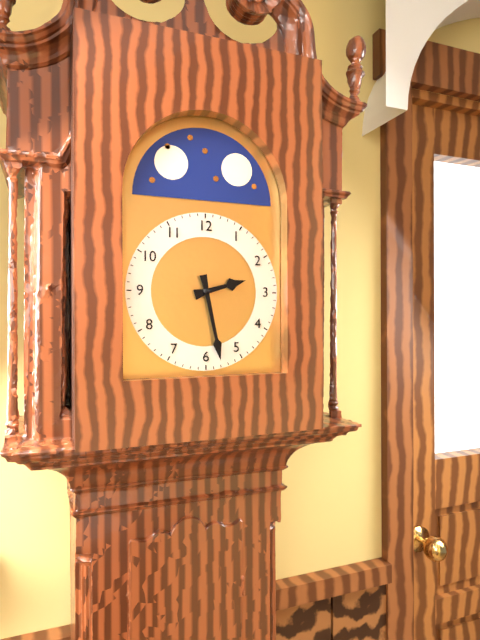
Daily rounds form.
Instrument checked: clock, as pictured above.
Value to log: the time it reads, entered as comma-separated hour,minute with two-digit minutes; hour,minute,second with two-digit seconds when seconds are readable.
2,28
